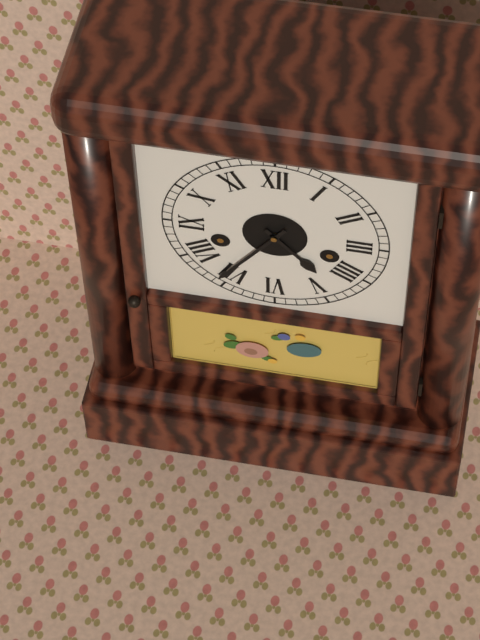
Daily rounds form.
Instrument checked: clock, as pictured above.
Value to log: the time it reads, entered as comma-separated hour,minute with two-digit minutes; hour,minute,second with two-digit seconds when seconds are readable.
4,36
